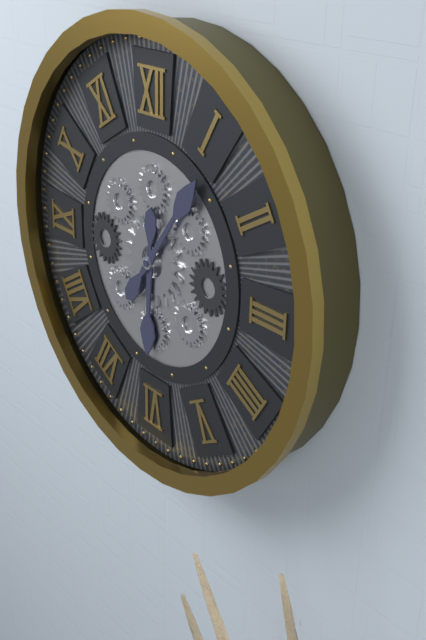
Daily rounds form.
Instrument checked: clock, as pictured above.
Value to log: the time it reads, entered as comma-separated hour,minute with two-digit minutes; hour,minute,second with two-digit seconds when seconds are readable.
6,06
